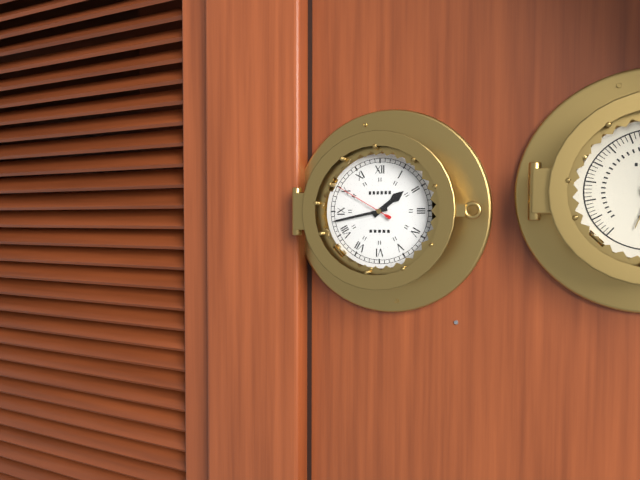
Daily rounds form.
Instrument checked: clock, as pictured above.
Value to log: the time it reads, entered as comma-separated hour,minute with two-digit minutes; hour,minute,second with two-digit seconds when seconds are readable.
1,43,50
